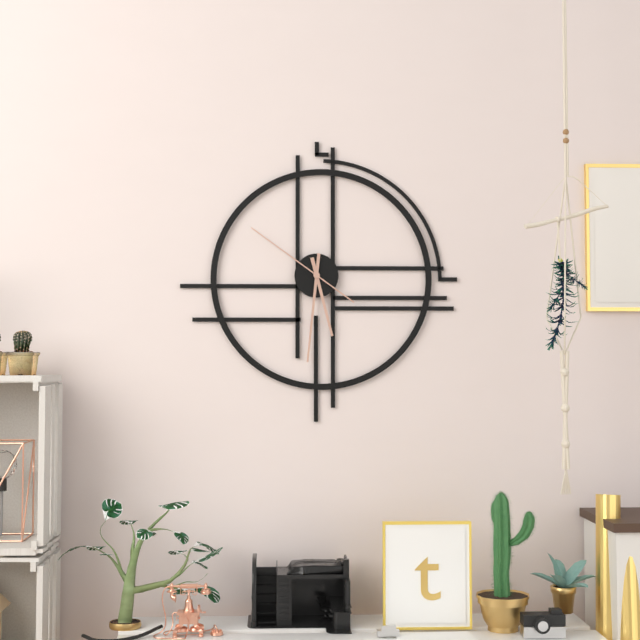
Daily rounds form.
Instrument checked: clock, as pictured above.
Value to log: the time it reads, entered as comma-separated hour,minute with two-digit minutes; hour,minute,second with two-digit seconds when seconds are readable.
5,31,51
